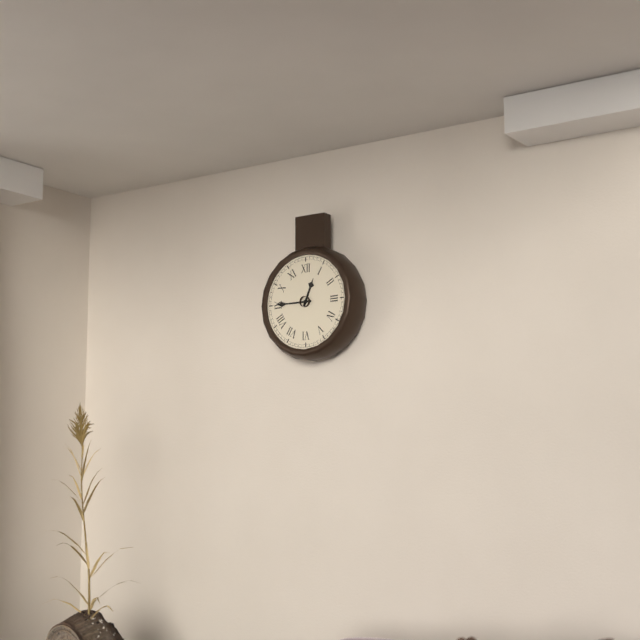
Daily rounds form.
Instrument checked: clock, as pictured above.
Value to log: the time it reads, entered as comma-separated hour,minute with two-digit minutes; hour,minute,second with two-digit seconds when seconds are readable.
12,45
